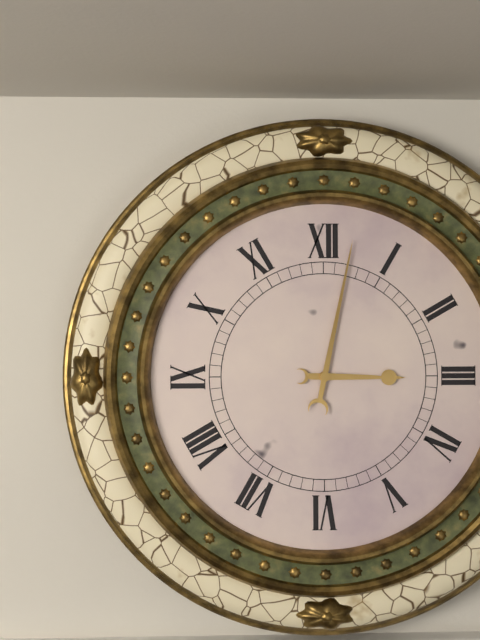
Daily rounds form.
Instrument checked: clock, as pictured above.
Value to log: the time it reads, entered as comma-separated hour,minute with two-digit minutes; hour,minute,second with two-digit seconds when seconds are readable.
3,02
